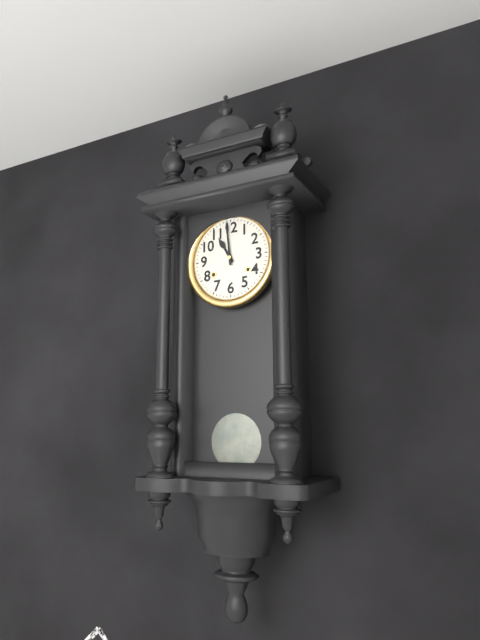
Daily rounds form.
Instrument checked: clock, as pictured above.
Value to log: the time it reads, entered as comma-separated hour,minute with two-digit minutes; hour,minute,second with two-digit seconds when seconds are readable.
10,59
